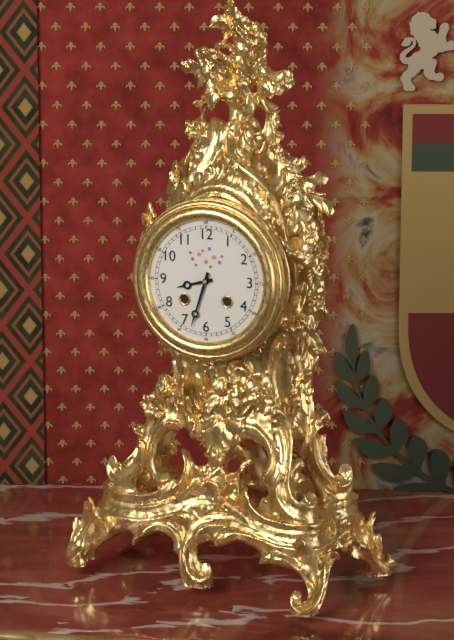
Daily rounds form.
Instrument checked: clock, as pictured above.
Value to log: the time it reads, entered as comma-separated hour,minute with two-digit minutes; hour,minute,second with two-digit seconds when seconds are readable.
8,33
